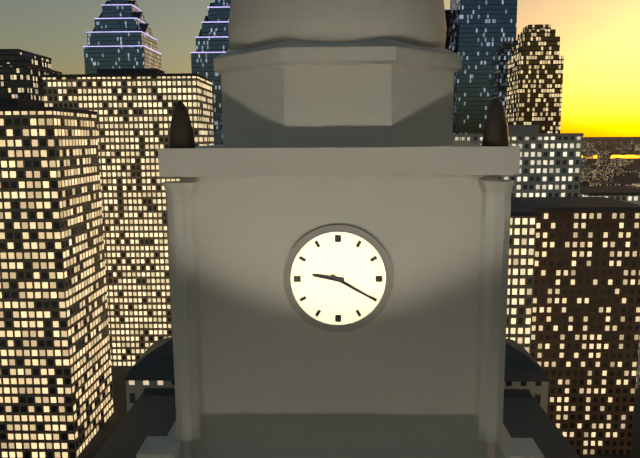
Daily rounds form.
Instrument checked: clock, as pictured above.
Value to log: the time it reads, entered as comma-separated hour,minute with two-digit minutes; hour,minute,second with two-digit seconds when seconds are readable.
9,20
